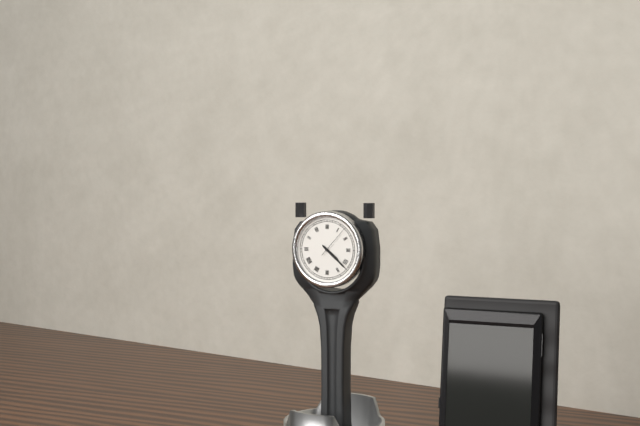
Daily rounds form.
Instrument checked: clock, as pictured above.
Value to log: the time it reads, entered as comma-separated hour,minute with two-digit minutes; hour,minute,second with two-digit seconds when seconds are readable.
4,22
